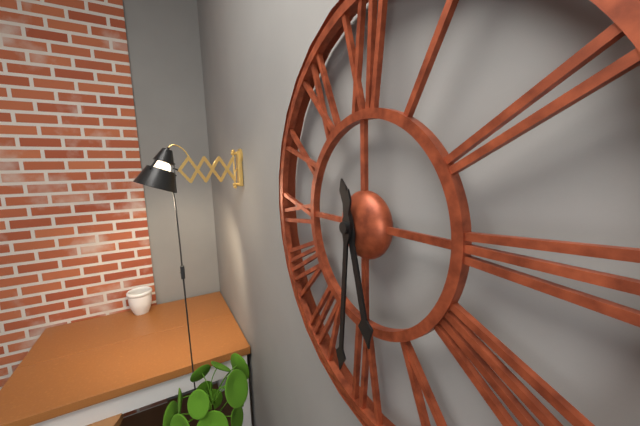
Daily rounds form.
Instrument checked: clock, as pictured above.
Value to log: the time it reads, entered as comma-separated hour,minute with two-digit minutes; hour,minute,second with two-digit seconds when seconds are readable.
5,31
